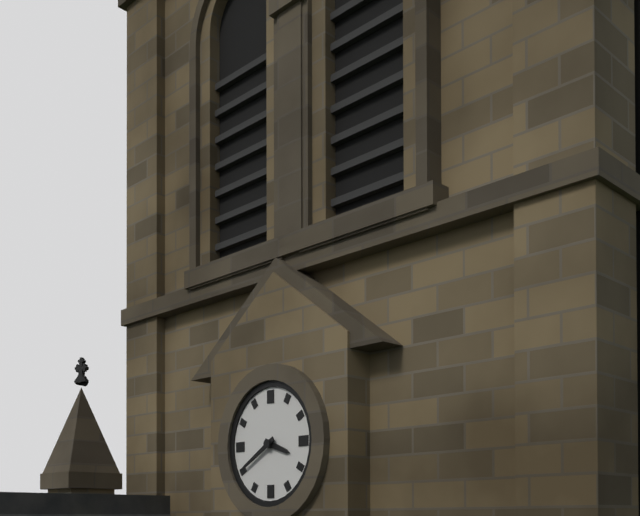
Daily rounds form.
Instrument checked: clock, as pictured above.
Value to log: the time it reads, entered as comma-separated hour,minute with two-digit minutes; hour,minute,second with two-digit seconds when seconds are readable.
3,40
